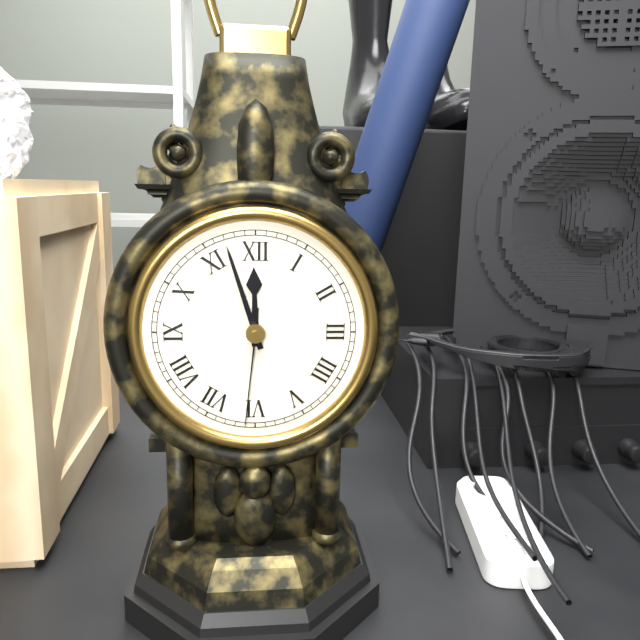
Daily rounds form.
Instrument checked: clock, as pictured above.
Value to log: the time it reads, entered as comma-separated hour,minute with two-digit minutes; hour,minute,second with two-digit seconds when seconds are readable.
11,57,31
